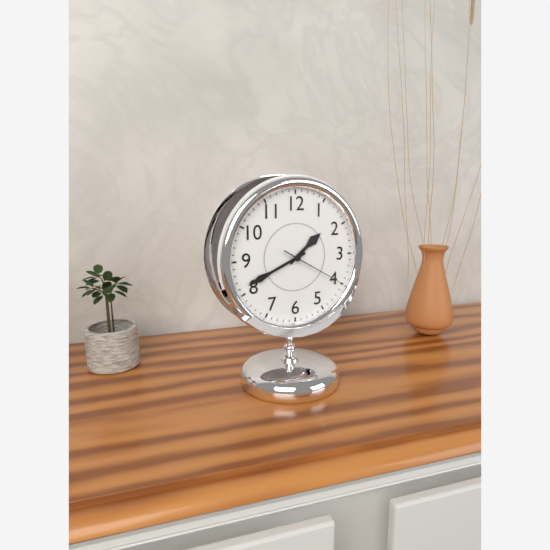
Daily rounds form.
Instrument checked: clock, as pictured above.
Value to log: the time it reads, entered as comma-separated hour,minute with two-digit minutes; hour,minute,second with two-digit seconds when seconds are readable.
1,41,20
